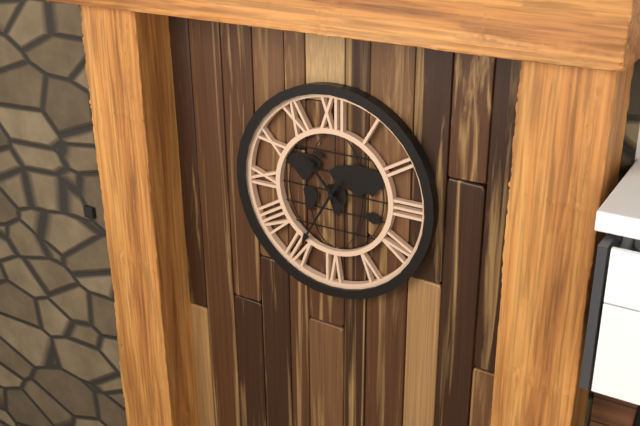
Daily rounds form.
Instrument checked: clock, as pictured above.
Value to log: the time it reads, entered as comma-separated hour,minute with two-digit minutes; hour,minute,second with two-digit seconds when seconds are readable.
10,35
